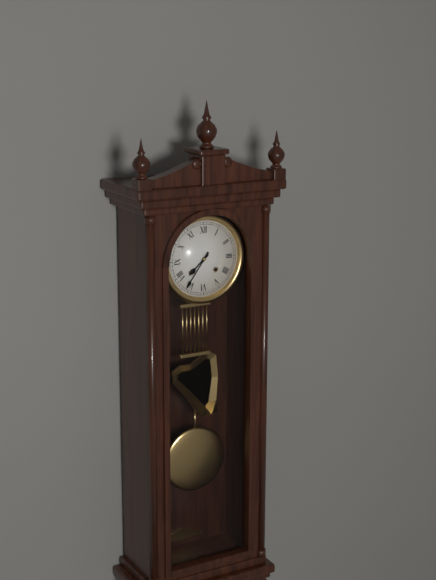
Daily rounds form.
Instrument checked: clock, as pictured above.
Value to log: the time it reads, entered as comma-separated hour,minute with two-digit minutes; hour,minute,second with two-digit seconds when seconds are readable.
7,36
